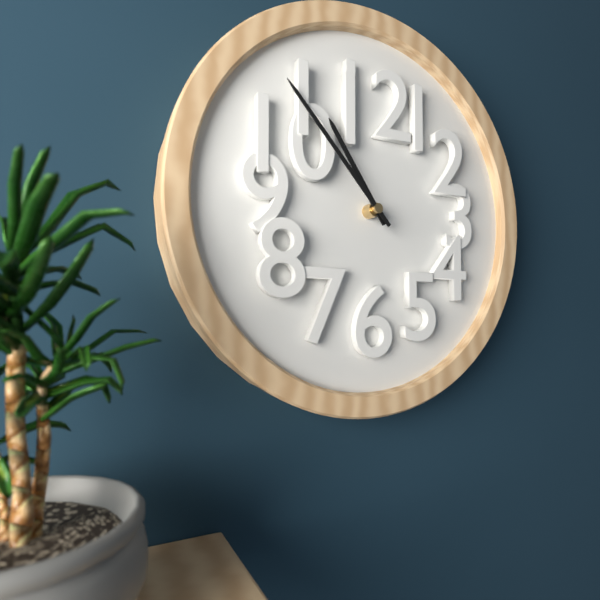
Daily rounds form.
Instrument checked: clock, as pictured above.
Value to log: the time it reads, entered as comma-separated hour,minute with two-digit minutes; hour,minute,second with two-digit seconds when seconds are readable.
10,53
